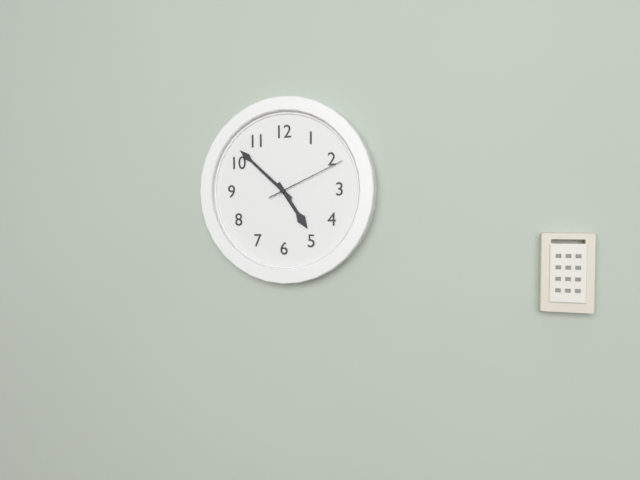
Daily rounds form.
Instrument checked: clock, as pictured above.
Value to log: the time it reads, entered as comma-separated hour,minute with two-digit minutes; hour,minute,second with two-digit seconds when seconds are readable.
4,52,11
